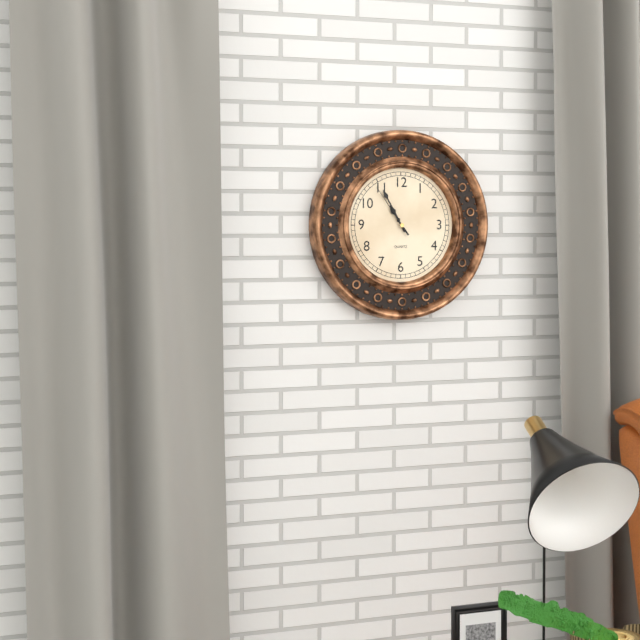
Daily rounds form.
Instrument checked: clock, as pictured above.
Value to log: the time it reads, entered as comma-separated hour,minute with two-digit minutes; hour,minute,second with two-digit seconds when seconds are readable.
10,55,54
